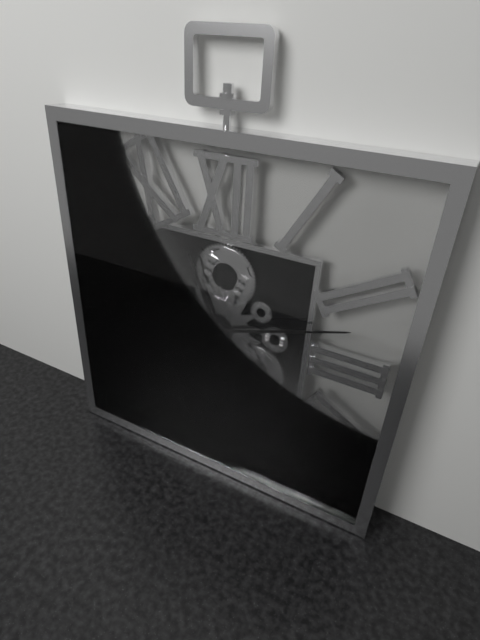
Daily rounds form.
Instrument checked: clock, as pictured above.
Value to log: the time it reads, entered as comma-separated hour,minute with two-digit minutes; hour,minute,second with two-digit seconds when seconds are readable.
11,12
